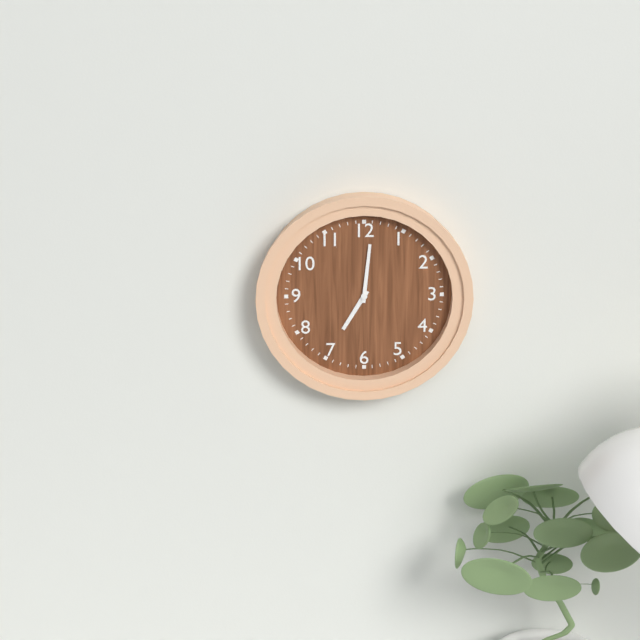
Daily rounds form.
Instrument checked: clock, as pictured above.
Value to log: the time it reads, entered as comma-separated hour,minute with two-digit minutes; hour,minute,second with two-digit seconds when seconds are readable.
7,01
